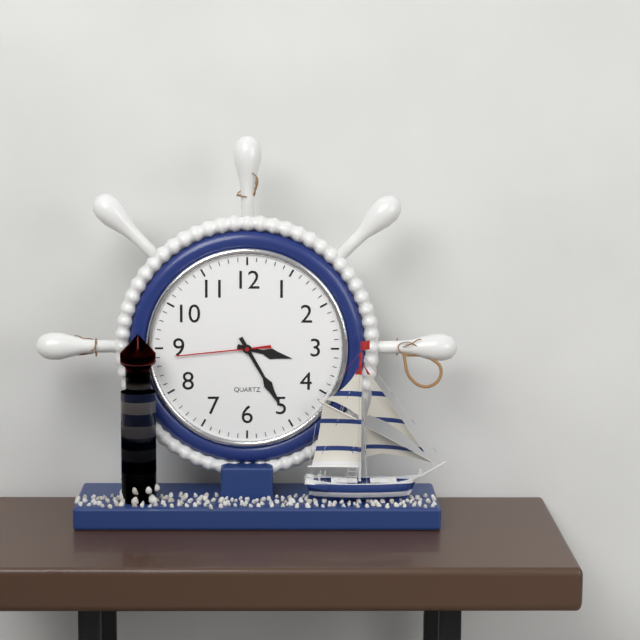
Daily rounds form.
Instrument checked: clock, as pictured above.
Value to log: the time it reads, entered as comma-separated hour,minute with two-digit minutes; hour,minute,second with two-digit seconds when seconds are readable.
3,25,44
